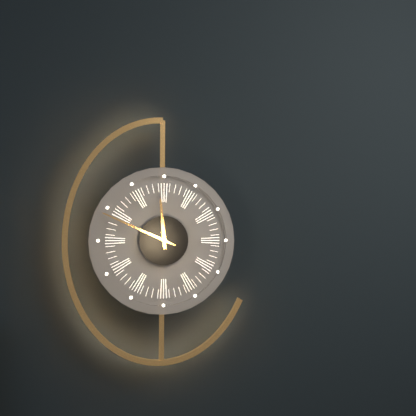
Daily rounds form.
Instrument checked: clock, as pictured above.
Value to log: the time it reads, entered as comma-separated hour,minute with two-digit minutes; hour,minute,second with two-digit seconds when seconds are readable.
11,49
